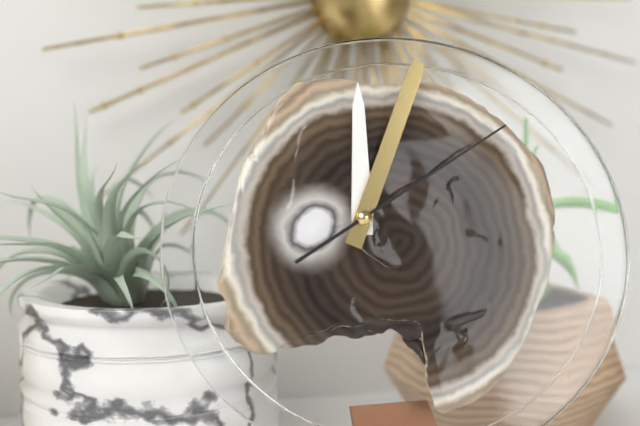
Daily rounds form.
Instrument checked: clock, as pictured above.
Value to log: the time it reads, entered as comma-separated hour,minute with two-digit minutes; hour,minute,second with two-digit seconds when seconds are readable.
12,04,10
